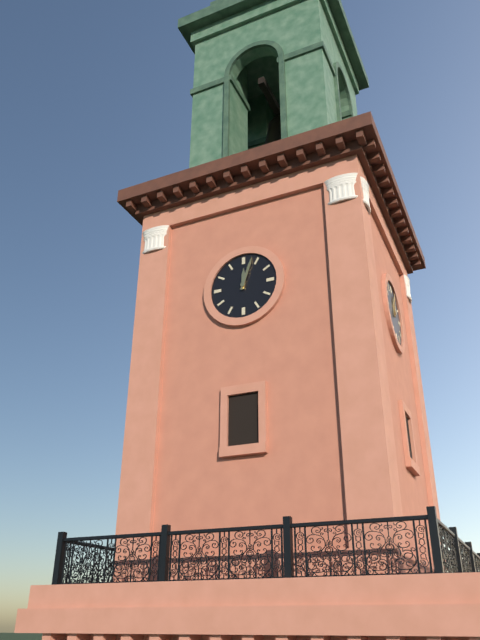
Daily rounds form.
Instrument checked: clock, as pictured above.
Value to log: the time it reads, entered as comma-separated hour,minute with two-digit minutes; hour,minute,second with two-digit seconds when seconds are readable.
12,03
